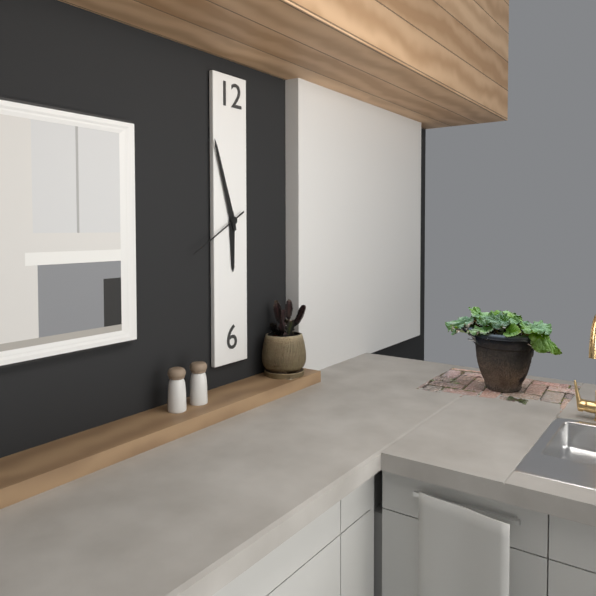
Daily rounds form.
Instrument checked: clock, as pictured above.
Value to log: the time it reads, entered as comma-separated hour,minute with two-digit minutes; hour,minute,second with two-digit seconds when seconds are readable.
5,57,40
